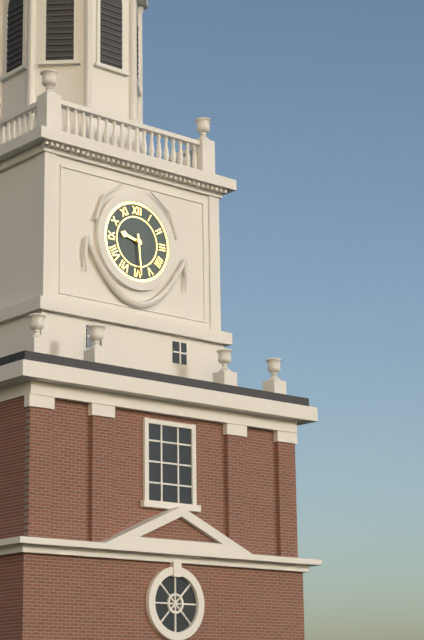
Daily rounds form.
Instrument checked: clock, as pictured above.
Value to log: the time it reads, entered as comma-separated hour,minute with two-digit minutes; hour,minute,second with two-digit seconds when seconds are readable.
9,29
